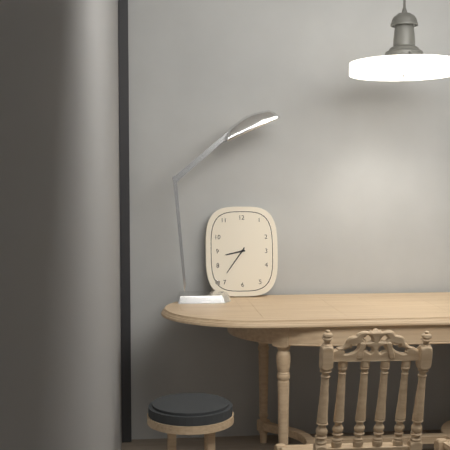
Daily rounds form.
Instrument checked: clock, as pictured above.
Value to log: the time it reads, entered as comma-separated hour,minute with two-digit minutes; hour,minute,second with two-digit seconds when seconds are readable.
8,36
